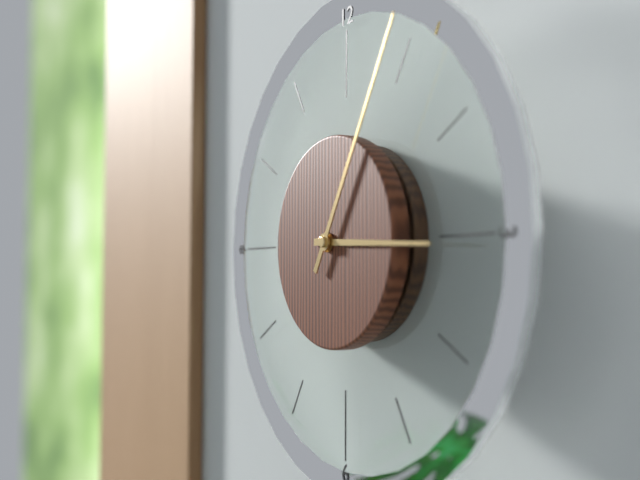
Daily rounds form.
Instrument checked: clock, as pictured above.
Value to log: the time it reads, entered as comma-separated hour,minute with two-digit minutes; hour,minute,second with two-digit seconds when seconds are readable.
3,05
